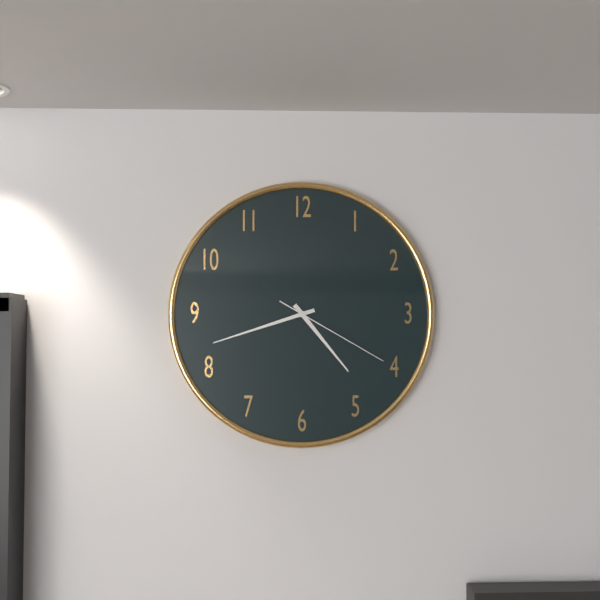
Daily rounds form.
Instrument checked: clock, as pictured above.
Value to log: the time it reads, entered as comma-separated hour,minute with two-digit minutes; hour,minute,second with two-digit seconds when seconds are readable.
4,42,20
